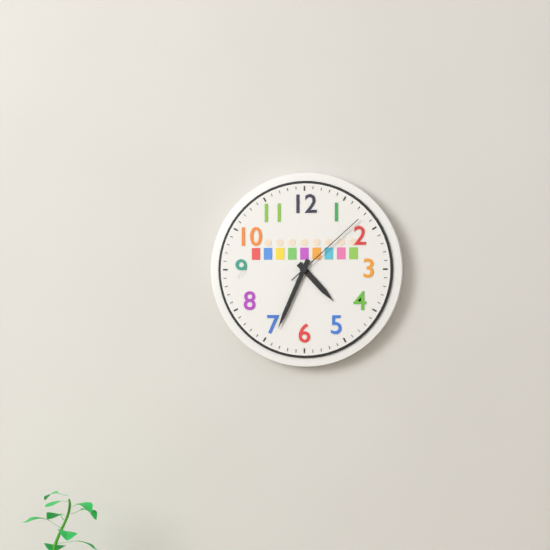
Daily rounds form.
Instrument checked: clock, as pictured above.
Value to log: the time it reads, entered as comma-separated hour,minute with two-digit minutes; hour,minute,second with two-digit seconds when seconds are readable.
4,34,08
